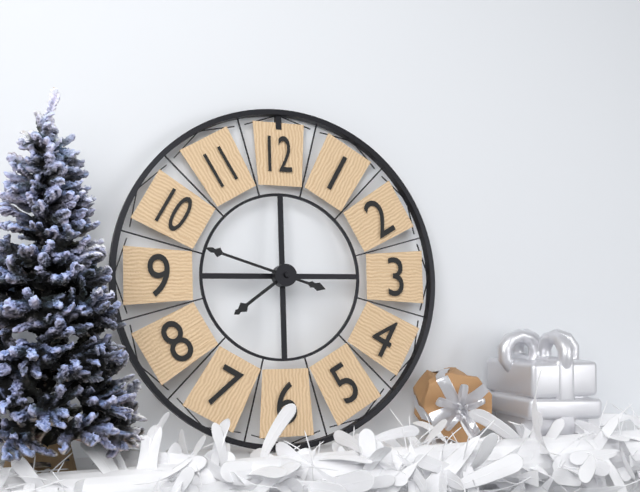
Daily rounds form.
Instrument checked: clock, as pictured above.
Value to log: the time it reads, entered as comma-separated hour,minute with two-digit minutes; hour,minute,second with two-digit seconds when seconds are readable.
7,48
